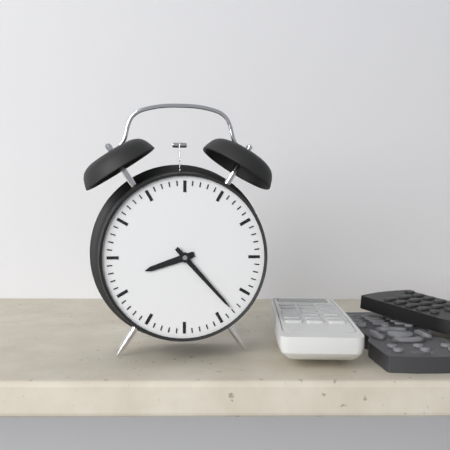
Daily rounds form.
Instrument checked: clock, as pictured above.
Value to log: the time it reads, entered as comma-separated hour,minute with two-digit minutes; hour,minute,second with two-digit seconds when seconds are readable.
8,23
